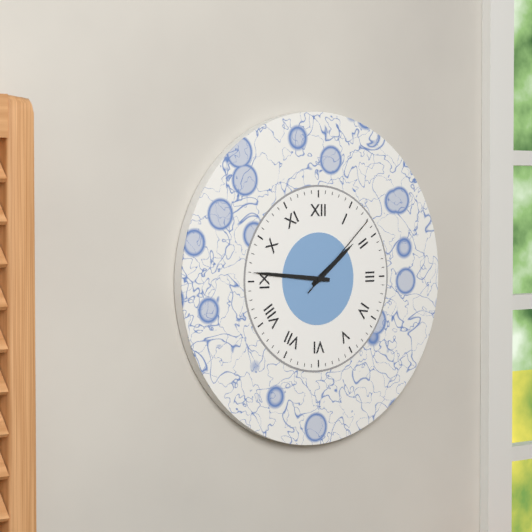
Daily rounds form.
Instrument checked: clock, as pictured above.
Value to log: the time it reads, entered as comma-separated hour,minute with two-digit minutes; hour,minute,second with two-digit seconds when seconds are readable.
1,46,08
